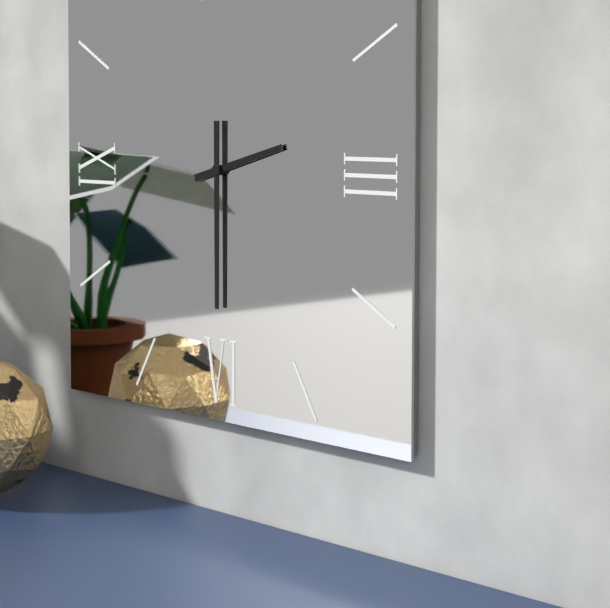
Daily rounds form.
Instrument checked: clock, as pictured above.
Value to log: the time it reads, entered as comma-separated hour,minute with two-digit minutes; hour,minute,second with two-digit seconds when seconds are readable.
2,30
